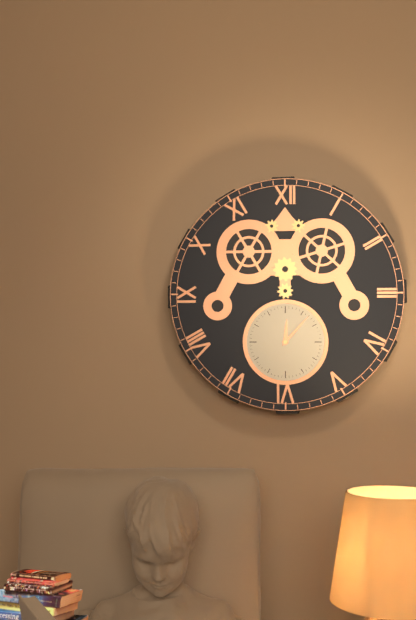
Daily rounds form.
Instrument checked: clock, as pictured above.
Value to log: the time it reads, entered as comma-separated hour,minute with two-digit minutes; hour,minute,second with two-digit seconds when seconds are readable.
12,07
